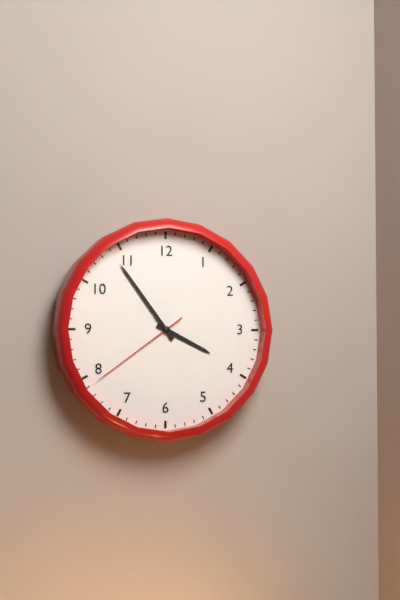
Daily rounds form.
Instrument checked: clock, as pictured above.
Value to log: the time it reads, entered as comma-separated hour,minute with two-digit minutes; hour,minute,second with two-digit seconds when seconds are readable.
3,54,39
